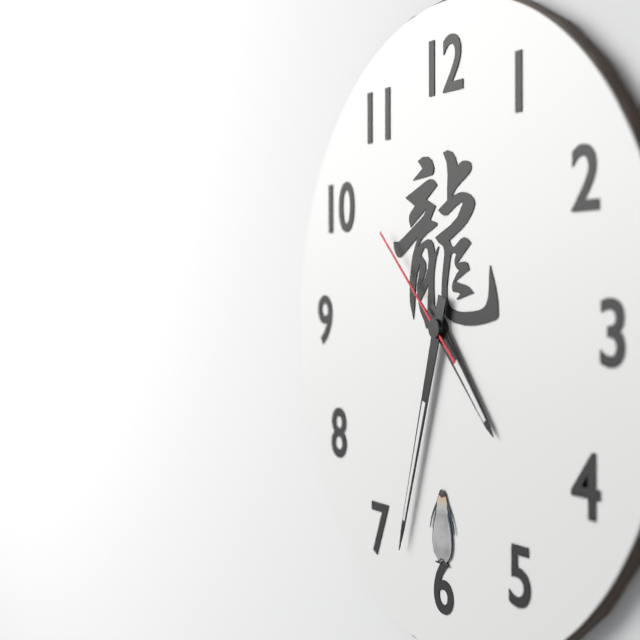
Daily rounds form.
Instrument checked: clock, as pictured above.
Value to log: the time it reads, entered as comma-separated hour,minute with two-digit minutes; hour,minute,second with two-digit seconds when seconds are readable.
4,33,52
